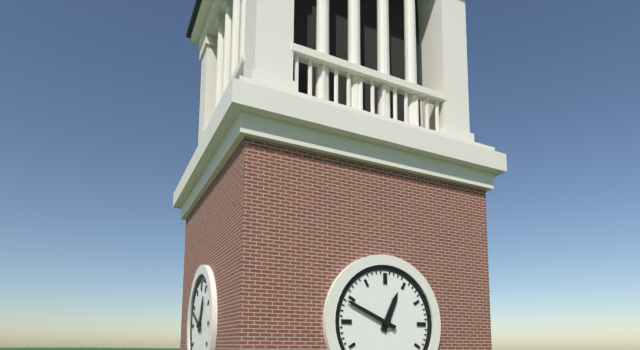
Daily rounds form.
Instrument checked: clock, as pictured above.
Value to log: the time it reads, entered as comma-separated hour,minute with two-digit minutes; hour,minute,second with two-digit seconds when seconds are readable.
12,49
